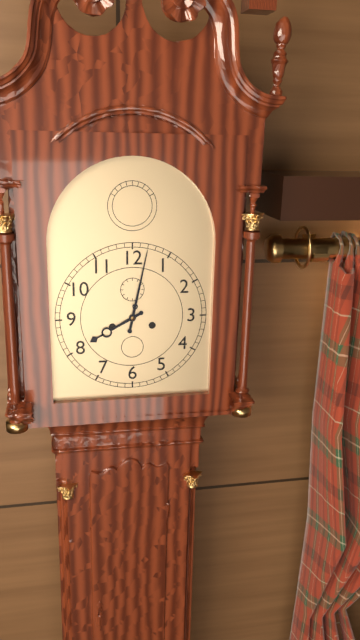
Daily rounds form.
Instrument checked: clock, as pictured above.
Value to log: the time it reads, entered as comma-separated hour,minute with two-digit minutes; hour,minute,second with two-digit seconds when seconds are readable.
8,02
